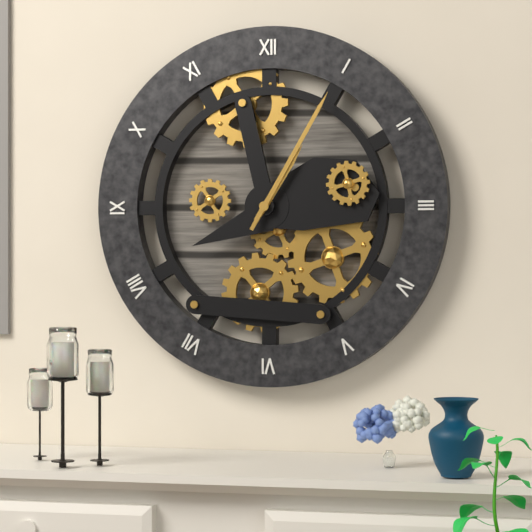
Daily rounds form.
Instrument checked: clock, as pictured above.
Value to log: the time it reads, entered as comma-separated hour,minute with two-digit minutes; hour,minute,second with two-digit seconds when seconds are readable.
1,05
